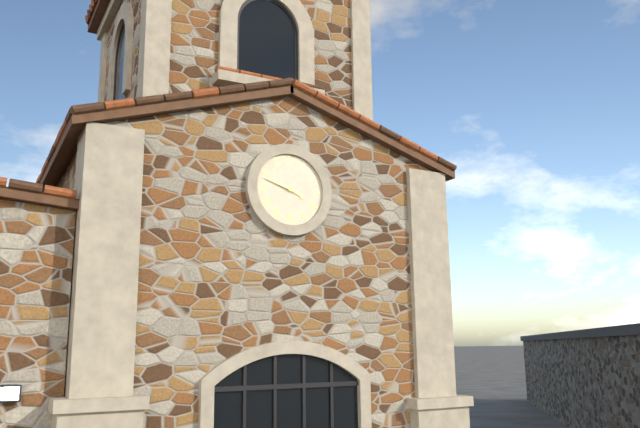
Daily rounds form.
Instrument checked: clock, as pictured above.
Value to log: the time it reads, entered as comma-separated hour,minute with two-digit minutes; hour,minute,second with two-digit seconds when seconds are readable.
3,48
